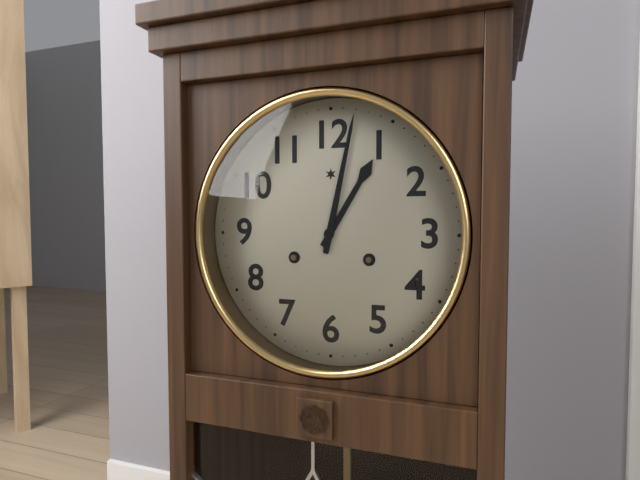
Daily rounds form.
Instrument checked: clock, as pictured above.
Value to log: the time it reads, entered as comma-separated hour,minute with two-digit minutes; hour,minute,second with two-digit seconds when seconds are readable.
1,02
